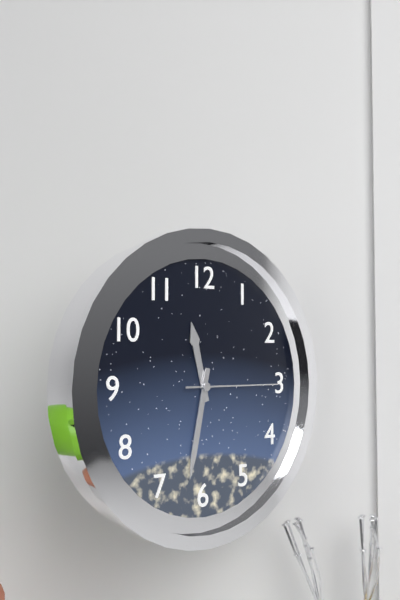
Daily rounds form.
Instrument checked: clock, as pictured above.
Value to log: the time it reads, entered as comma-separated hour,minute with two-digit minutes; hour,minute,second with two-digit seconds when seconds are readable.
11,32,15
